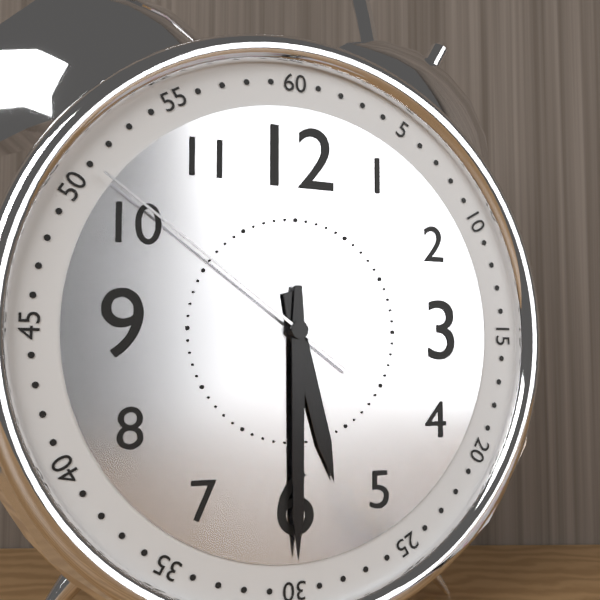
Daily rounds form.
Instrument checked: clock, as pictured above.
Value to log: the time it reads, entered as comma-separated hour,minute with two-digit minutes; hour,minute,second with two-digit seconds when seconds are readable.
5,30,51
